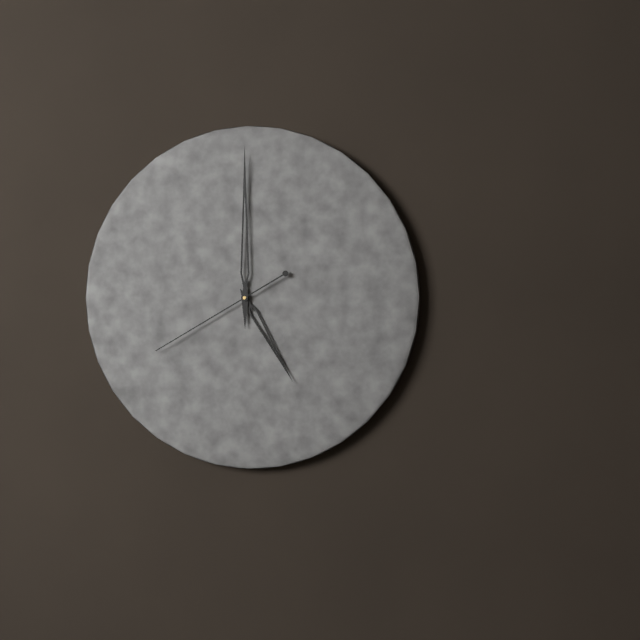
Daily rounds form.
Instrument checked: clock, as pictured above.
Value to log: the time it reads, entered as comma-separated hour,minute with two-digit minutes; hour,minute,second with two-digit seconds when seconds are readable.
5,00,40
